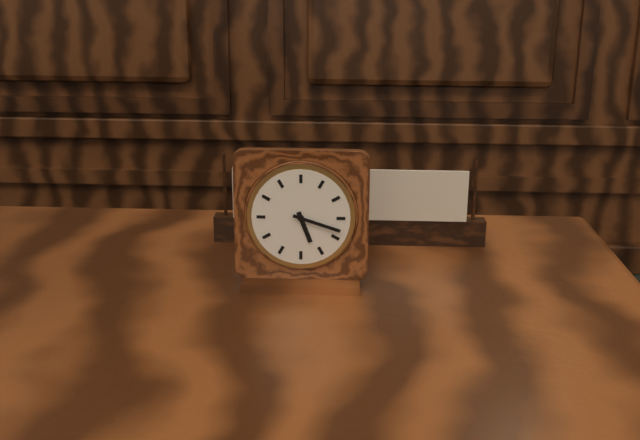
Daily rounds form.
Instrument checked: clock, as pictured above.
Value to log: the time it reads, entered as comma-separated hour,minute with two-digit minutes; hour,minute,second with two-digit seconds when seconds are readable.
5,18
